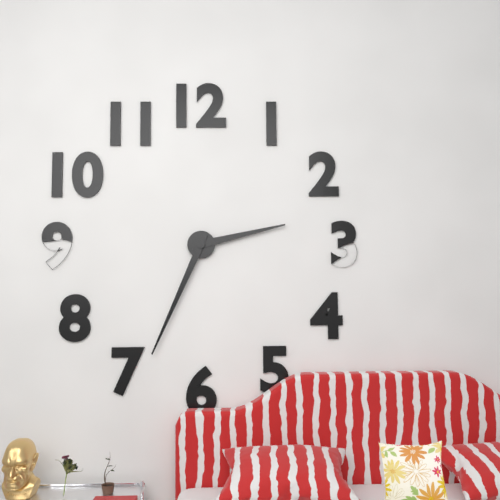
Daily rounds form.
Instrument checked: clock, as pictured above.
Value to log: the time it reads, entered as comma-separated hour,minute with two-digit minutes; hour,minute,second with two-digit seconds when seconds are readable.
2,34
